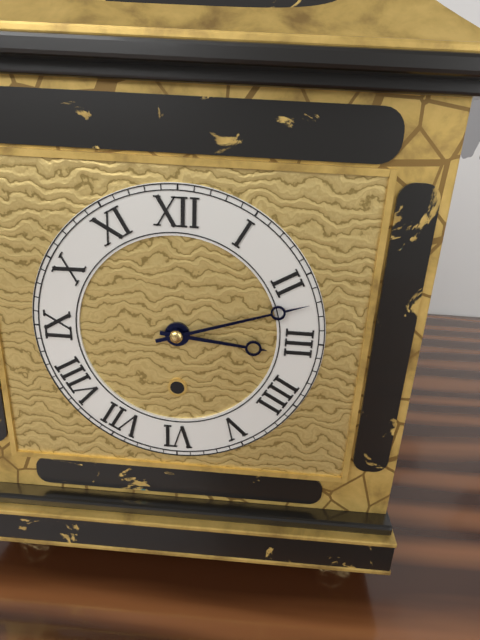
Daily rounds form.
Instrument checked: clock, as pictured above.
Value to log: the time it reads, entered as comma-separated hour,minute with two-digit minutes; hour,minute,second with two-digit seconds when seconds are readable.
3,12
